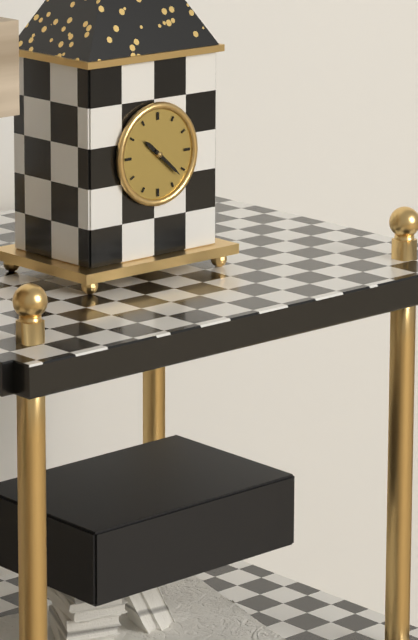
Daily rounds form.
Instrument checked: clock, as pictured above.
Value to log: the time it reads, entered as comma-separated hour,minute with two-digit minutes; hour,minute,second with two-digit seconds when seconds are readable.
10,22
